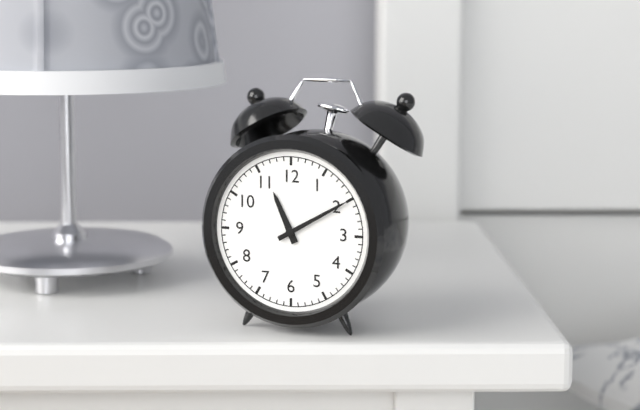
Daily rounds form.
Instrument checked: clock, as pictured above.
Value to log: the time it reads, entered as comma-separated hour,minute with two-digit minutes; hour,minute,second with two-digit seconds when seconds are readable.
11,10
